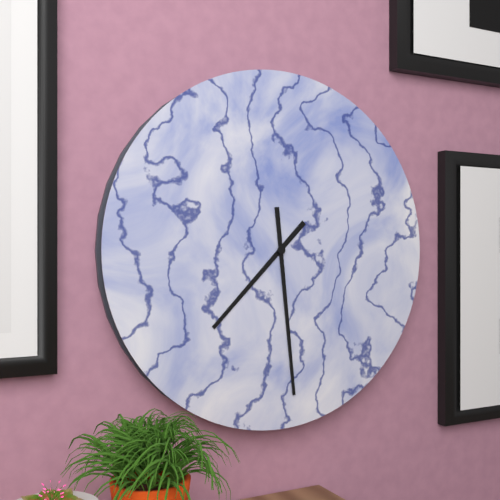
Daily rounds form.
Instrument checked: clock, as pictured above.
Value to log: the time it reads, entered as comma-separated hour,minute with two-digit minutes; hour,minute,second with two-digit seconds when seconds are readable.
7,29
